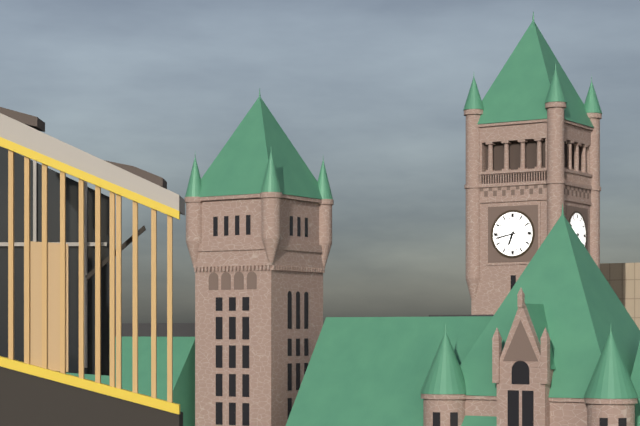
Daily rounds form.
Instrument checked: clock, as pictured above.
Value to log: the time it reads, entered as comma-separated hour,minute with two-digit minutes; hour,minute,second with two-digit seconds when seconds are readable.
6,43
